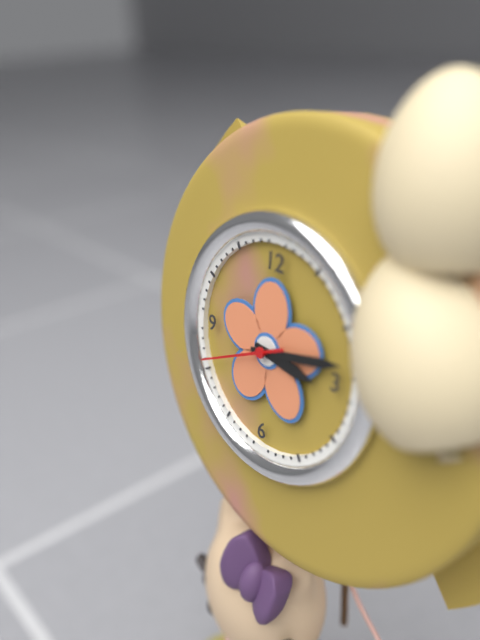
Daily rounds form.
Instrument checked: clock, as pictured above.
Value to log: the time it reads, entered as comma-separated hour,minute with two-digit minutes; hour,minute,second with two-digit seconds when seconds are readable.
3,13,41
